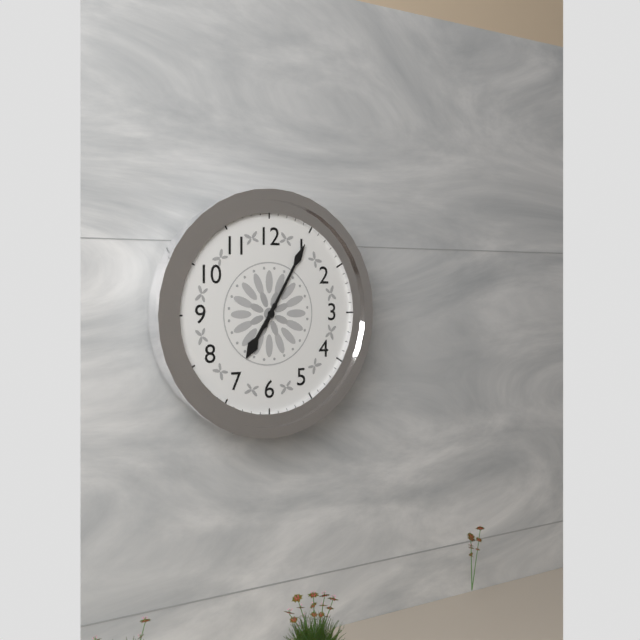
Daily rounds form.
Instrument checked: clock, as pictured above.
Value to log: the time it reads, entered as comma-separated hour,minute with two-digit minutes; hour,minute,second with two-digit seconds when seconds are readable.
7,05
